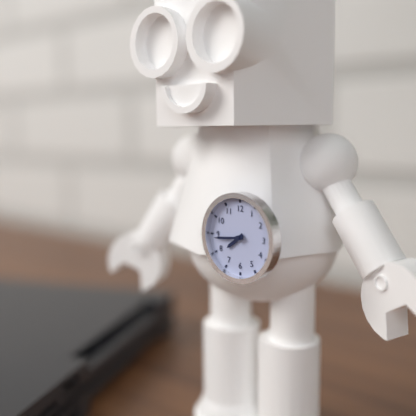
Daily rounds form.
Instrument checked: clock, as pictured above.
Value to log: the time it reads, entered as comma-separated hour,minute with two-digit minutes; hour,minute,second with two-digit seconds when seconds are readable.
7,44
